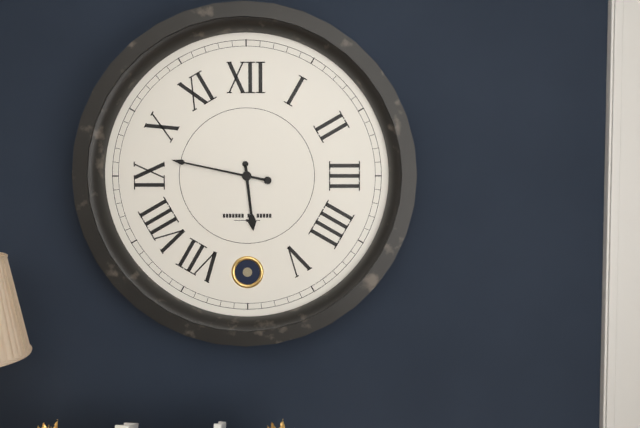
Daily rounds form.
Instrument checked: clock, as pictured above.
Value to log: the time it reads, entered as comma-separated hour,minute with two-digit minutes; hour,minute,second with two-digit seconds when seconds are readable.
5,47
